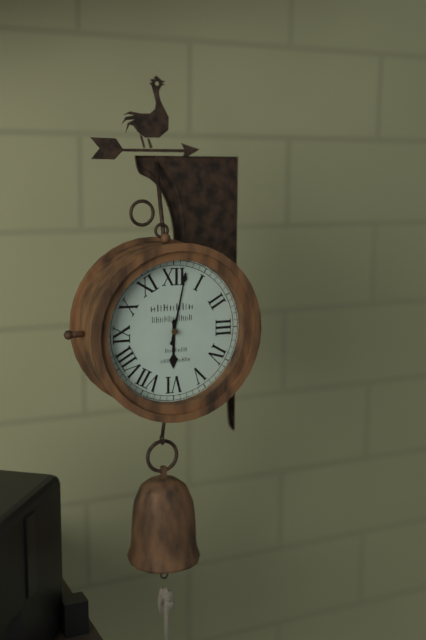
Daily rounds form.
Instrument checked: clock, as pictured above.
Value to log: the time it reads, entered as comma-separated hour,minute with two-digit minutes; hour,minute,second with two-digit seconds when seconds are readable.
6,02
